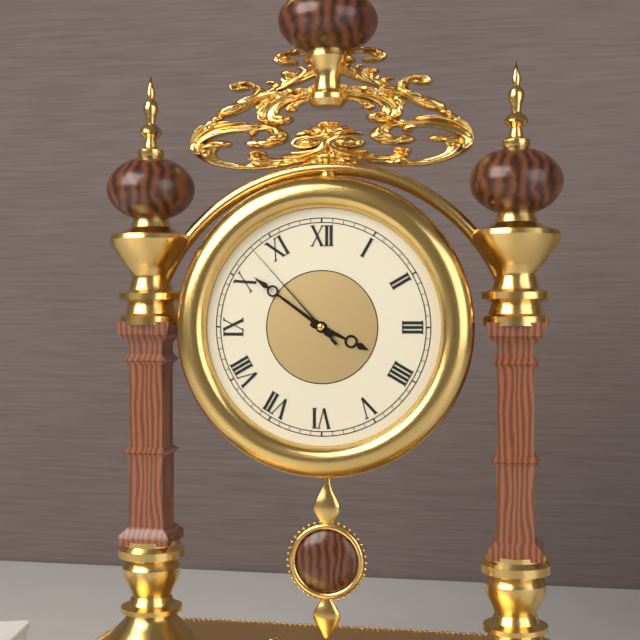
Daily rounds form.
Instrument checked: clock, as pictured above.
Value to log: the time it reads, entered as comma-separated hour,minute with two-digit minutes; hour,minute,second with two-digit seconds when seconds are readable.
3,51,53
